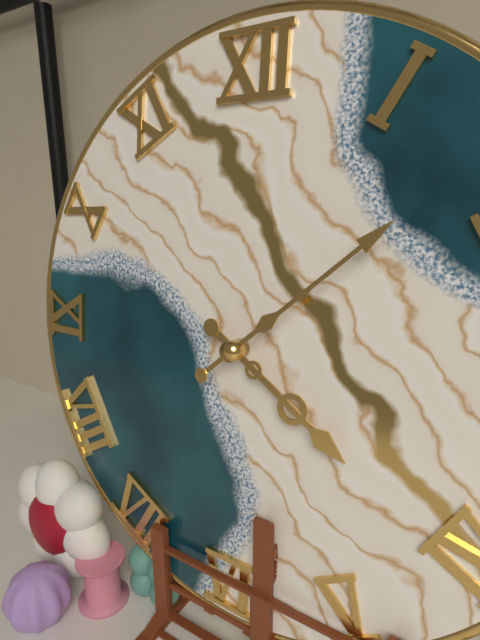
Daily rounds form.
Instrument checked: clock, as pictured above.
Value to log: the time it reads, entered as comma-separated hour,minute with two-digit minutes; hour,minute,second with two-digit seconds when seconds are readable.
4,08
